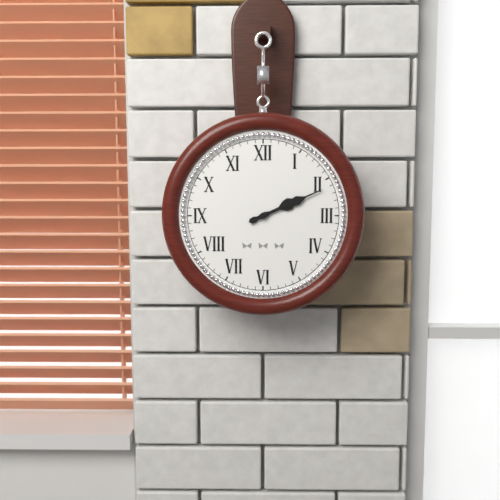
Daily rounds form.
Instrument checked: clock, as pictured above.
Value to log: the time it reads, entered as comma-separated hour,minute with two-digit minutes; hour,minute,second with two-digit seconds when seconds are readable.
2,11
